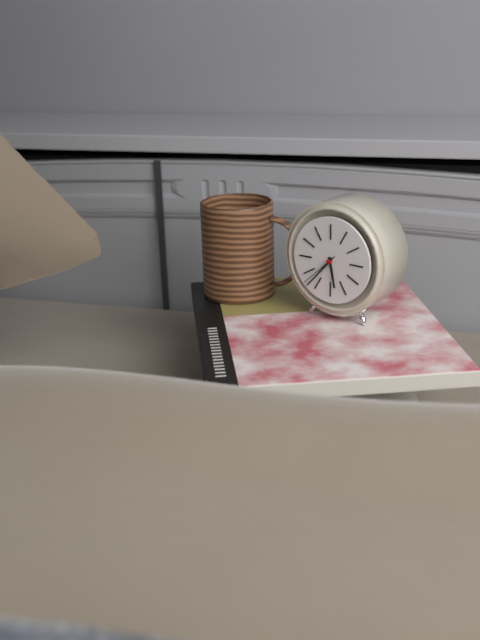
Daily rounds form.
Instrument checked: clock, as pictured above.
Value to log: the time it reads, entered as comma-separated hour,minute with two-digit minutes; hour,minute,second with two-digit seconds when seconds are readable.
5,37
